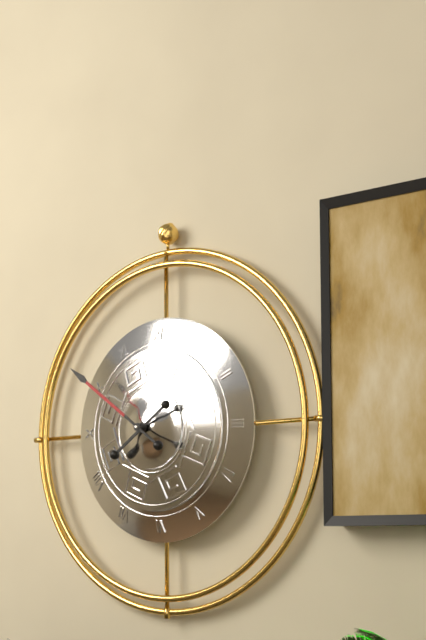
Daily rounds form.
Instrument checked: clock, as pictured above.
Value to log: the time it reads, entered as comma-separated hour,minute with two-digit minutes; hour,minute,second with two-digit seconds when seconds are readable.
7,51
